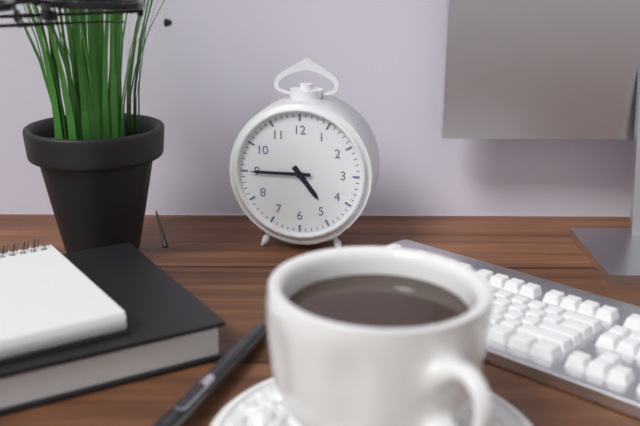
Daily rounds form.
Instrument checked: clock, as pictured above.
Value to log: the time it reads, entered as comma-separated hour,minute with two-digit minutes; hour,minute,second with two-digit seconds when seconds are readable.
4,45
